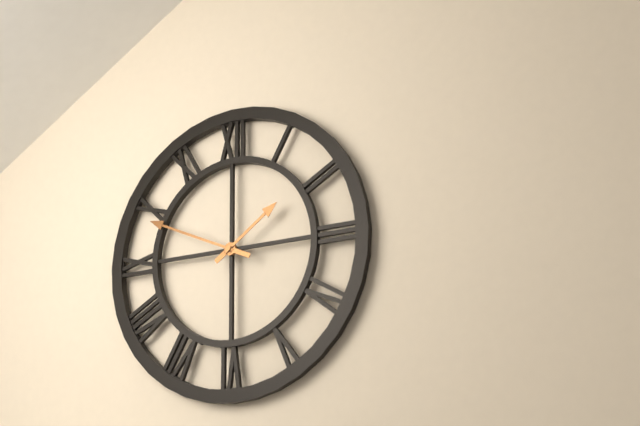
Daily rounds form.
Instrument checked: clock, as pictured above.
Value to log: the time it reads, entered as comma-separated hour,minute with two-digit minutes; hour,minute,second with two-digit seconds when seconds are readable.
1,49
